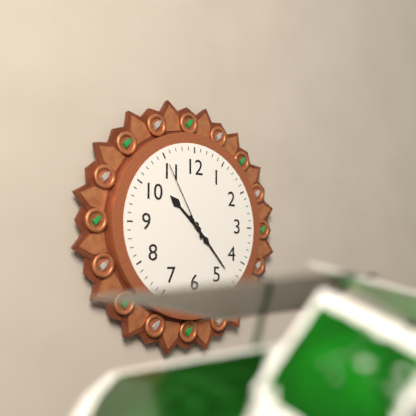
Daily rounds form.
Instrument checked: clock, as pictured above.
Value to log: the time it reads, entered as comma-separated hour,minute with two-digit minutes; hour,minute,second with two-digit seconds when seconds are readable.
10,23,55
